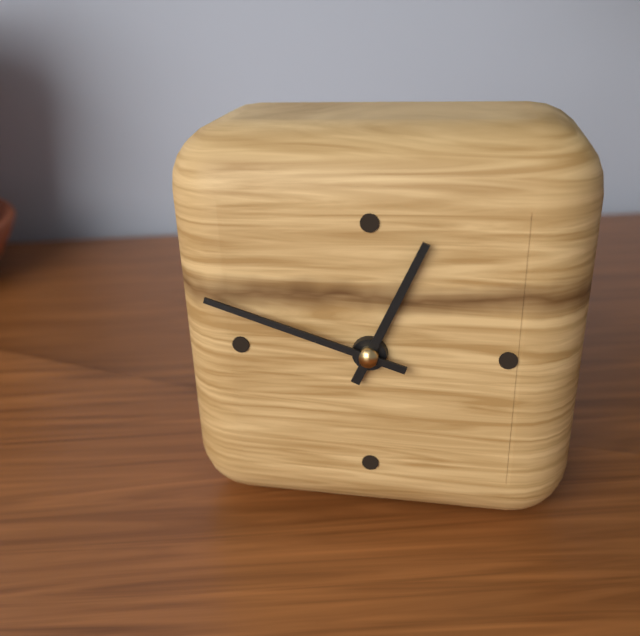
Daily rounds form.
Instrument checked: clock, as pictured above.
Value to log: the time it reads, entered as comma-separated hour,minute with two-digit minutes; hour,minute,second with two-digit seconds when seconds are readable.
12,48
